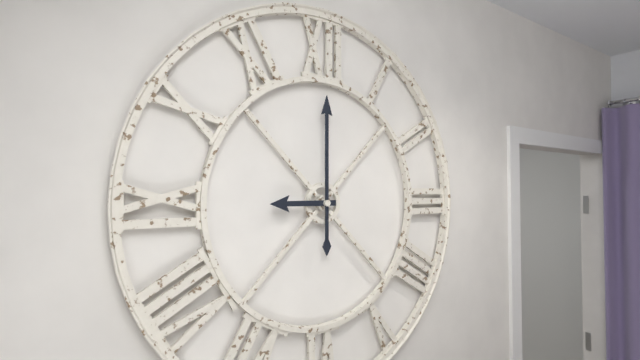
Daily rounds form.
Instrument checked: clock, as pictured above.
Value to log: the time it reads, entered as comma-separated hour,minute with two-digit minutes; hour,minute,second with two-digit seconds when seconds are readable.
9,00
